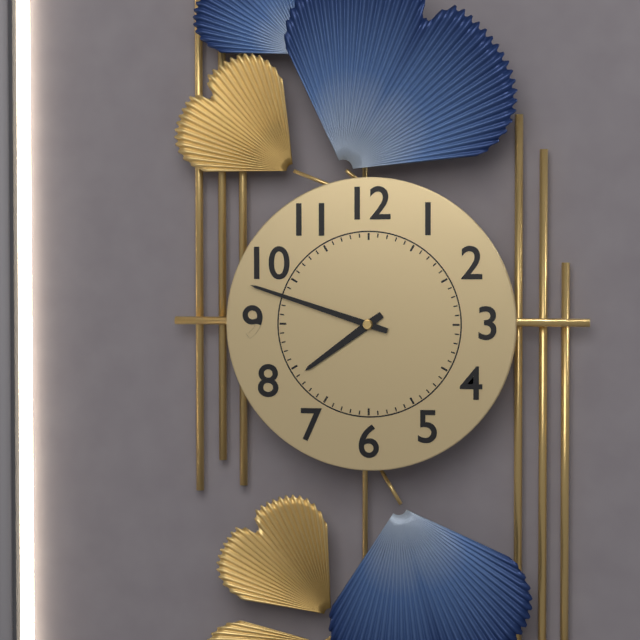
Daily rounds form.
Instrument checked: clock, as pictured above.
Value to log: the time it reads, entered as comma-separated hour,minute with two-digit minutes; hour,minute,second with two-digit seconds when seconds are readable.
7,48
